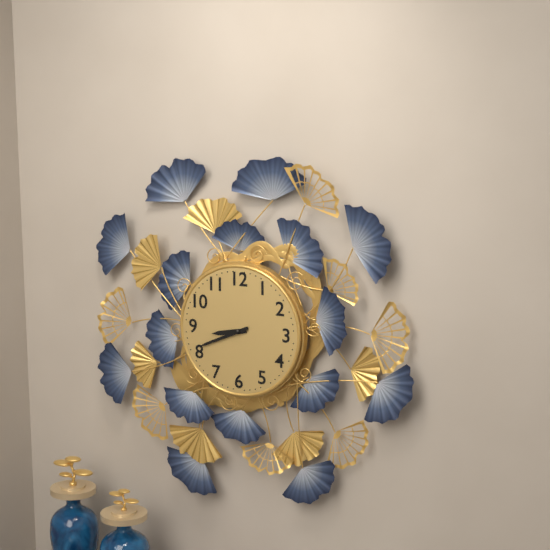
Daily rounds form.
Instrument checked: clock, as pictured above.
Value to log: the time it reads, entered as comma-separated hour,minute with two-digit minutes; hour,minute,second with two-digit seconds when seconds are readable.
8,41
